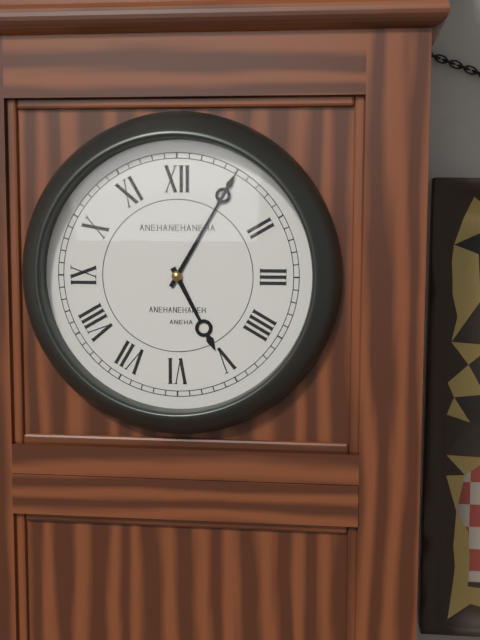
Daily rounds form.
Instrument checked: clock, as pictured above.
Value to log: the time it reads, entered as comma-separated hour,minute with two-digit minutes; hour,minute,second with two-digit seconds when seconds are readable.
5,05
